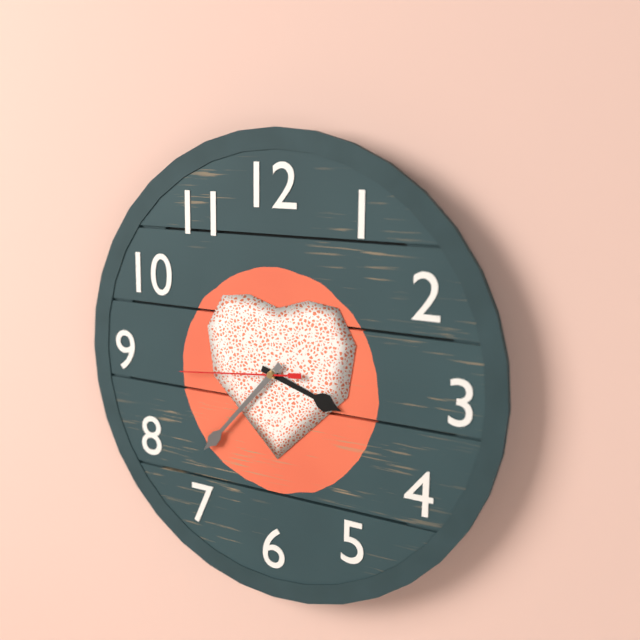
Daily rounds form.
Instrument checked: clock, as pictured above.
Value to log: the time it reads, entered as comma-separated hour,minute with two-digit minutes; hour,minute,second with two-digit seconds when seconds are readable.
3,37,44
